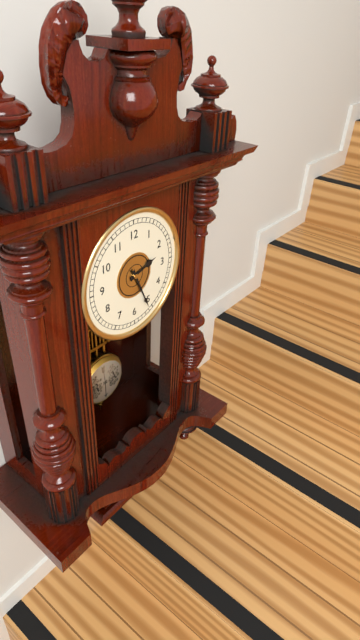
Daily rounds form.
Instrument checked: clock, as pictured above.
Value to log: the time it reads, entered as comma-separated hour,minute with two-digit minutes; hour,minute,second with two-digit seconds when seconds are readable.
2,26
